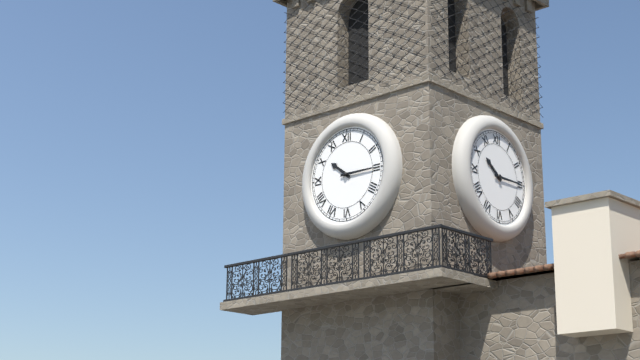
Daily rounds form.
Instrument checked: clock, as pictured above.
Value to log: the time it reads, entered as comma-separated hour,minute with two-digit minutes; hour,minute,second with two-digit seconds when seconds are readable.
10,15
